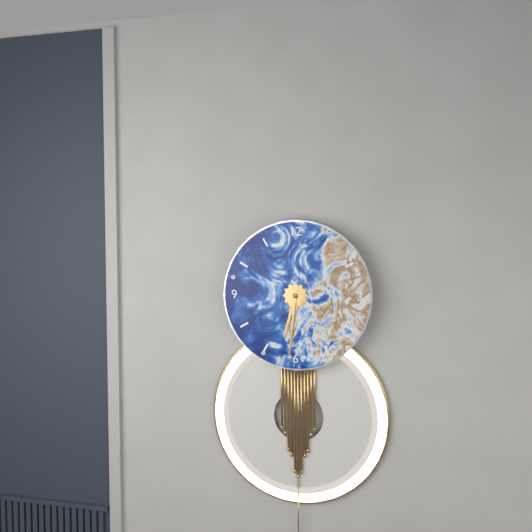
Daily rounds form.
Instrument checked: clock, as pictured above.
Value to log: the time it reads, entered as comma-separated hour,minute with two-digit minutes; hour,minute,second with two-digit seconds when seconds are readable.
6,31
